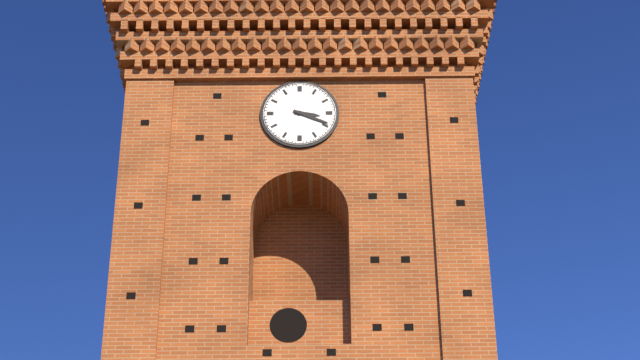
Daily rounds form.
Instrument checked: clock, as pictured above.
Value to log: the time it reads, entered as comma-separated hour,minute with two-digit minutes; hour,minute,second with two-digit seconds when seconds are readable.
3,19
